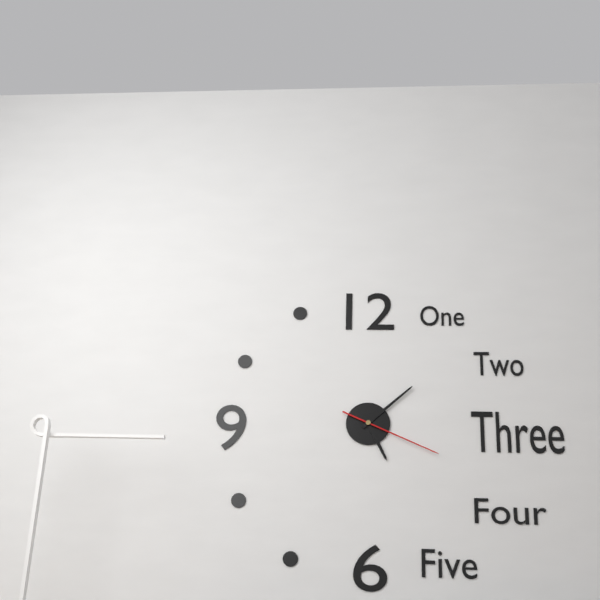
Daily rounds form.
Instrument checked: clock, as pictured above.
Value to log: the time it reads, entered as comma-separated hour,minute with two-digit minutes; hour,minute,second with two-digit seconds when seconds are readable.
5,08,19
